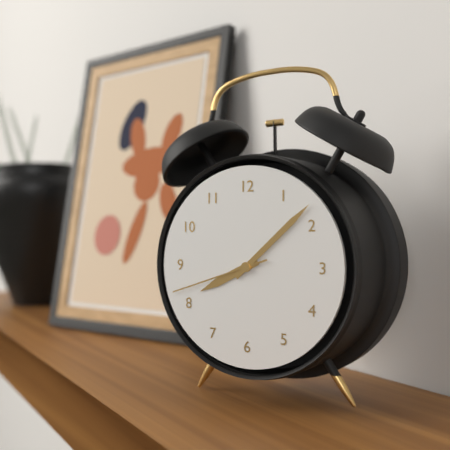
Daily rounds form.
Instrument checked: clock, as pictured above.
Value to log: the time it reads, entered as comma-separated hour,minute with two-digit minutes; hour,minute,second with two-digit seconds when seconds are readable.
8,08,42
